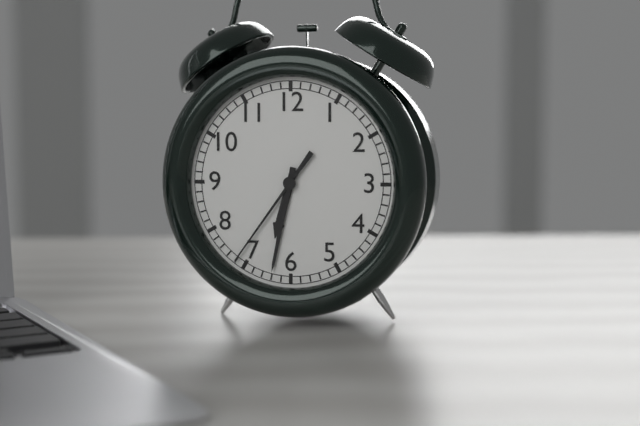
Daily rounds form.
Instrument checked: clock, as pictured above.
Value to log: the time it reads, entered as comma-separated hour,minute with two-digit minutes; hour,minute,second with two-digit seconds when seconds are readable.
6,32,36
